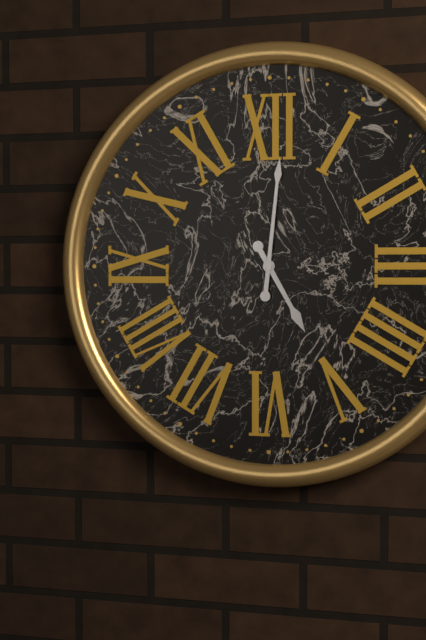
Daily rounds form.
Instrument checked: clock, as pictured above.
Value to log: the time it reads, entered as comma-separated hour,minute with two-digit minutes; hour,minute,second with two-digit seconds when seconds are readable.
5,01
